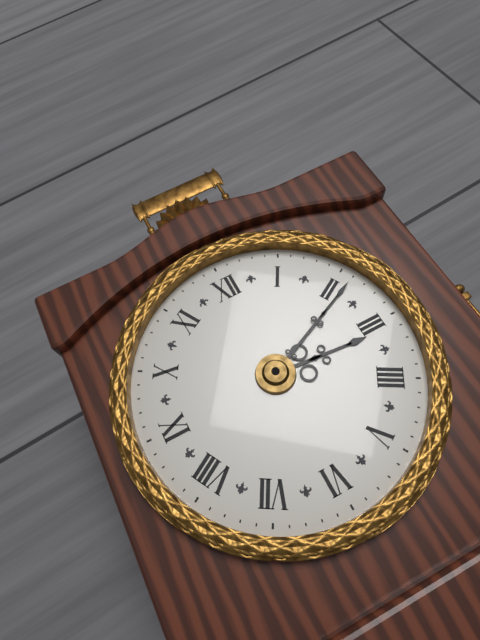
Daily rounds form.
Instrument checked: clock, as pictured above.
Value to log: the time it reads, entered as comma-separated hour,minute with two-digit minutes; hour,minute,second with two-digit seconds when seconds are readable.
3,11
